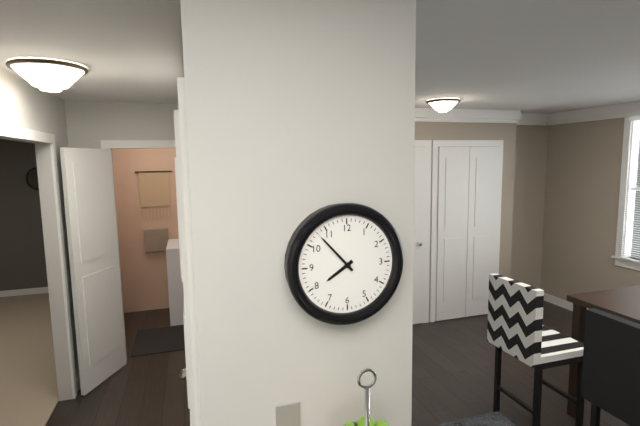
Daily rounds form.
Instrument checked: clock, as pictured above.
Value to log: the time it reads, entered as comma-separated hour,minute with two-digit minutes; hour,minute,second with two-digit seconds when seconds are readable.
7,53
